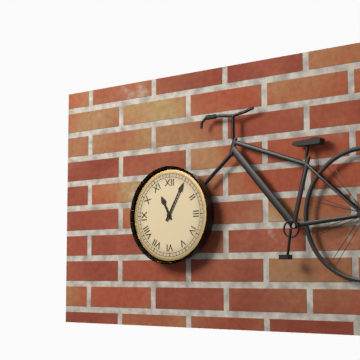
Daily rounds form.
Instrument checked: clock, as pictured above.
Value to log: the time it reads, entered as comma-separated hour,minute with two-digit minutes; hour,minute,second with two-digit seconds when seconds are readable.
11,05
